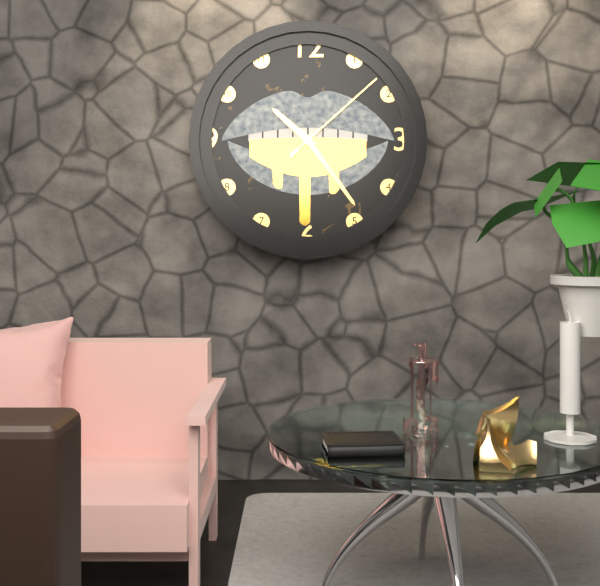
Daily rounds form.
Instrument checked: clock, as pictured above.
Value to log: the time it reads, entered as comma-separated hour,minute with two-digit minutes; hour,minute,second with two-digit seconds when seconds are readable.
10,24,08
